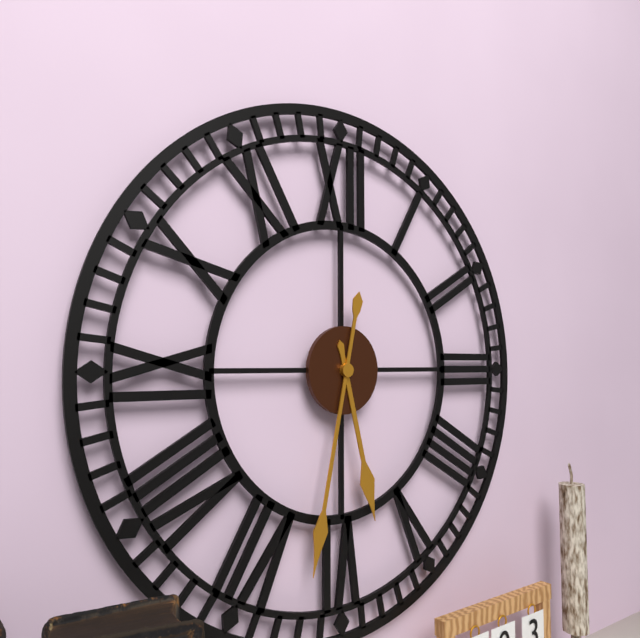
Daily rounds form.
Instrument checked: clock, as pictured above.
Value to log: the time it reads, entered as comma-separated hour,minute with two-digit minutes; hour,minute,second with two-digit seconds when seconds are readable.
5,32
